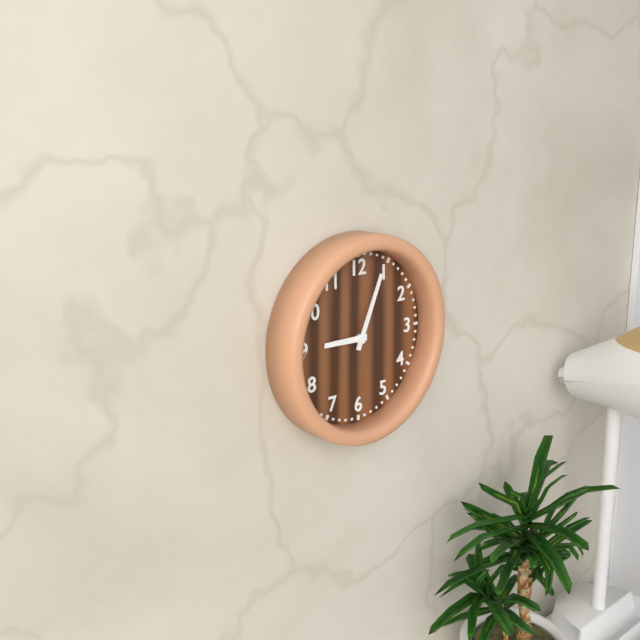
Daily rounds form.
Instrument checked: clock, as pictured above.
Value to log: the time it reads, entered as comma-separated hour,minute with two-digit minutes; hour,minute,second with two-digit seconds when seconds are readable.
9,04
